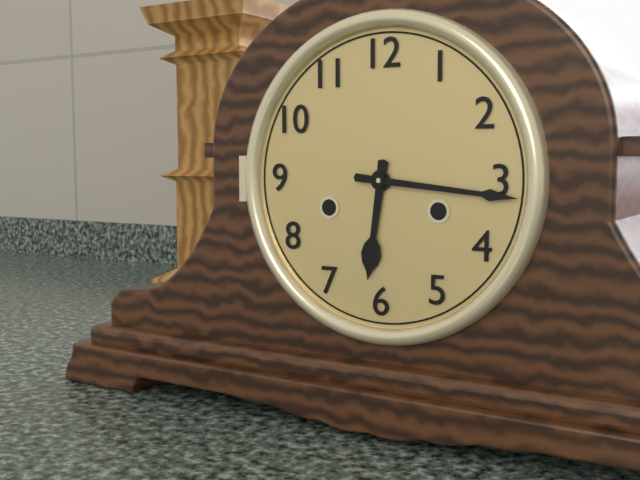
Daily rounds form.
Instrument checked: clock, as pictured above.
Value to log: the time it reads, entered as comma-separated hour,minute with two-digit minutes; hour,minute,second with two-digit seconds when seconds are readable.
6,16
